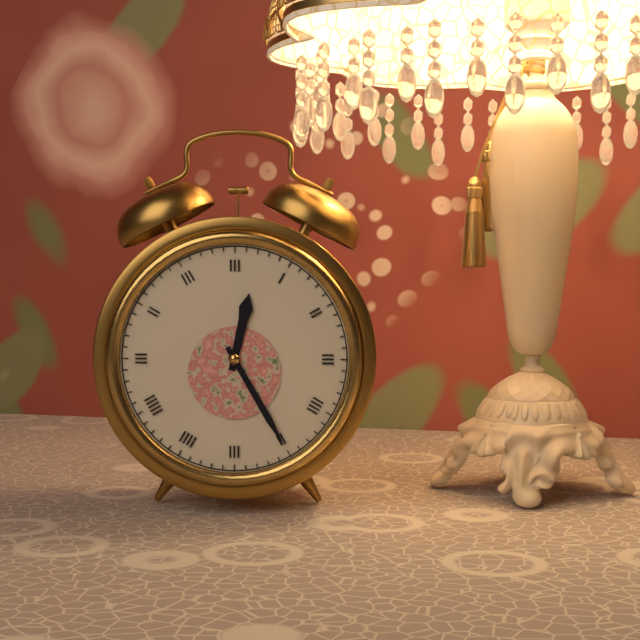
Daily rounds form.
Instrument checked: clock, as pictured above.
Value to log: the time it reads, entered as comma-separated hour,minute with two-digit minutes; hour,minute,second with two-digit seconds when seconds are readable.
12,25
